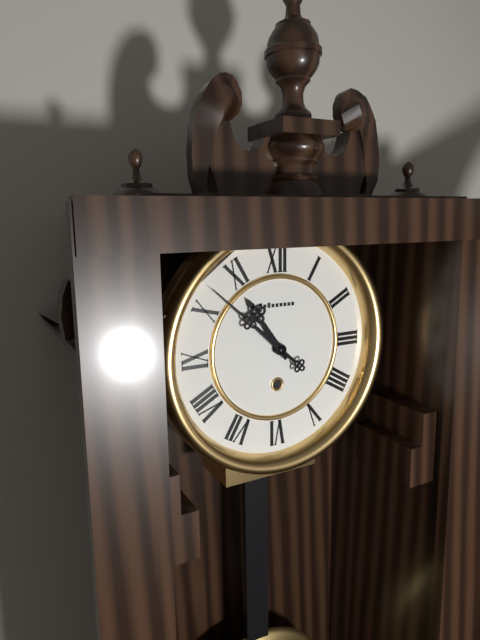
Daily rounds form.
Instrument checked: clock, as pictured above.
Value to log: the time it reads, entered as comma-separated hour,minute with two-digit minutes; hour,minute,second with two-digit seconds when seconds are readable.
10,52
